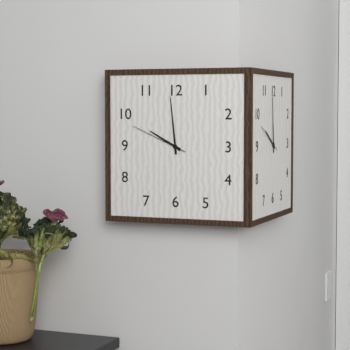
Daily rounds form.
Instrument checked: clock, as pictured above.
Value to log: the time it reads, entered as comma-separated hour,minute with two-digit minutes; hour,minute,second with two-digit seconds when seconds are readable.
9,59,49
